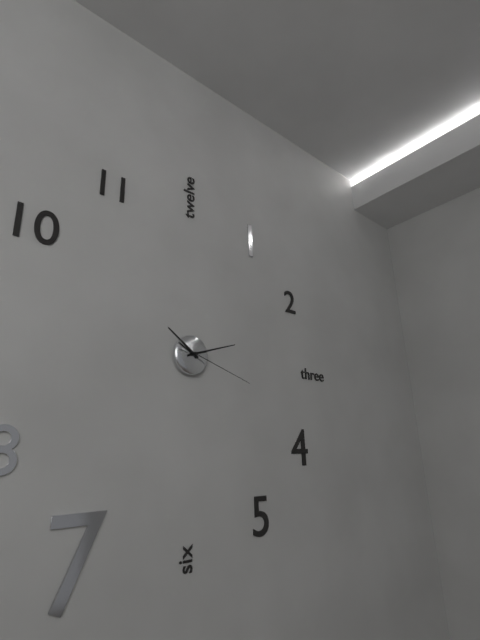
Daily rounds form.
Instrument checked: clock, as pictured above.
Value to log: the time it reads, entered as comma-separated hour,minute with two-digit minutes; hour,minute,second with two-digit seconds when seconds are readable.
10,12,18
